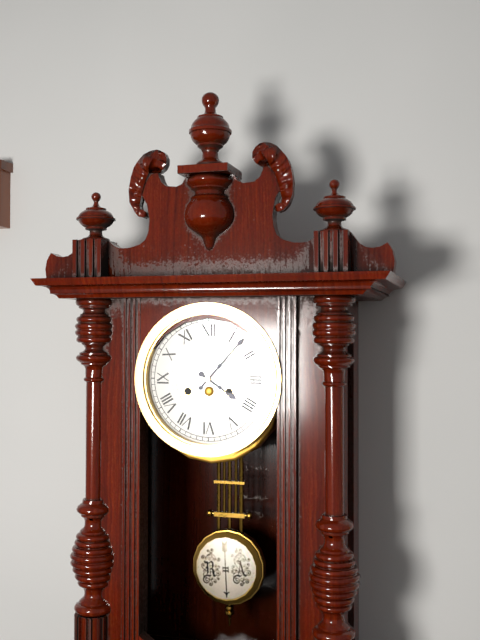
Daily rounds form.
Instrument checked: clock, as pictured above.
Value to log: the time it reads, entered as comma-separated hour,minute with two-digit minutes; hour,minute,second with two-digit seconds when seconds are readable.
4,07
